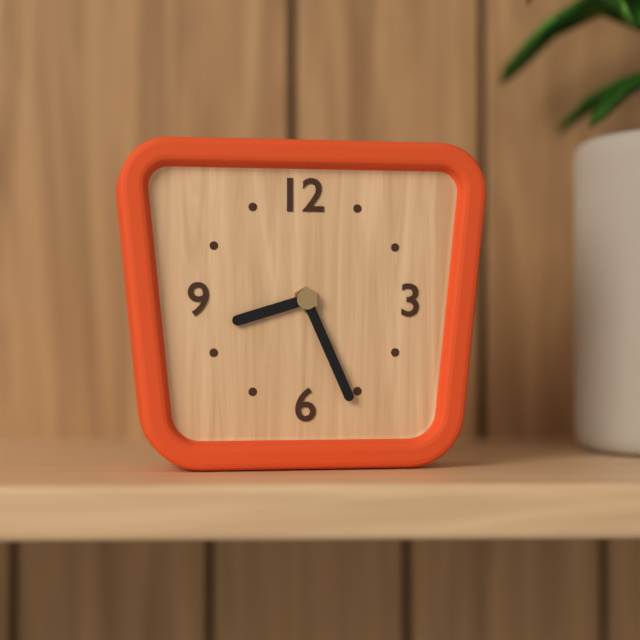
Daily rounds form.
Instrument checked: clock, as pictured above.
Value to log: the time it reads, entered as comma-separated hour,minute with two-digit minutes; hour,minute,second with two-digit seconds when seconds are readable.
8,26
